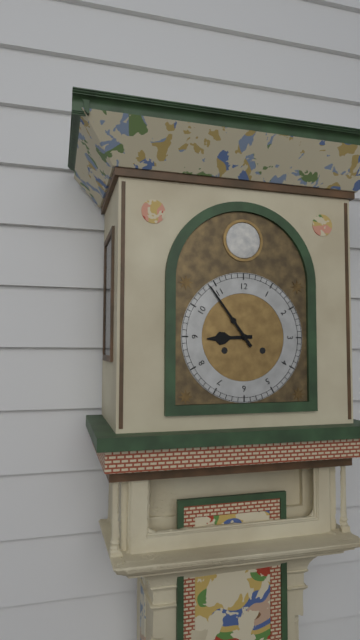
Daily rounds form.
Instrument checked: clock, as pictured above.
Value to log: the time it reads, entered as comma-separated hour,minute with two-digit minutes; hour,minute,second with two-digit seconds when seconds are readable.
8,54
